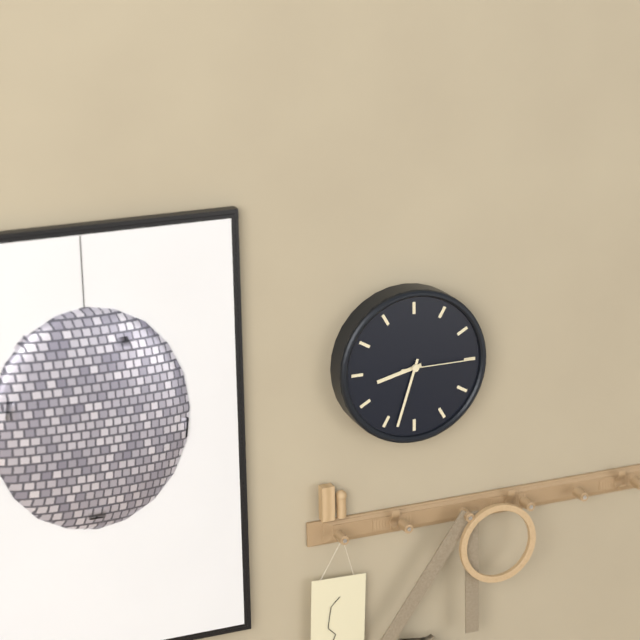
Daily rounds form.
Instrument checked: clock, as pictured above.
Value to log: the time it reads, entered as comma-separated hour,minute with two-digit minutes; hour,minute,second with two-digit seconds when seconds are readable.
8,33,15
